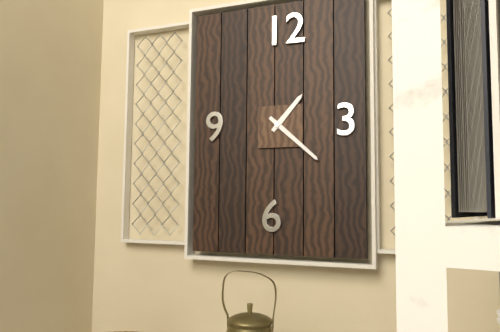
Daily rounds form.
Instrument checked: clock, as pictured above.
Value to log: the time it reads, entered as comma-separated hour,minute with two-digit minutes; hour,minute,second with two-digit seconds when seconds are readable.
1,22
